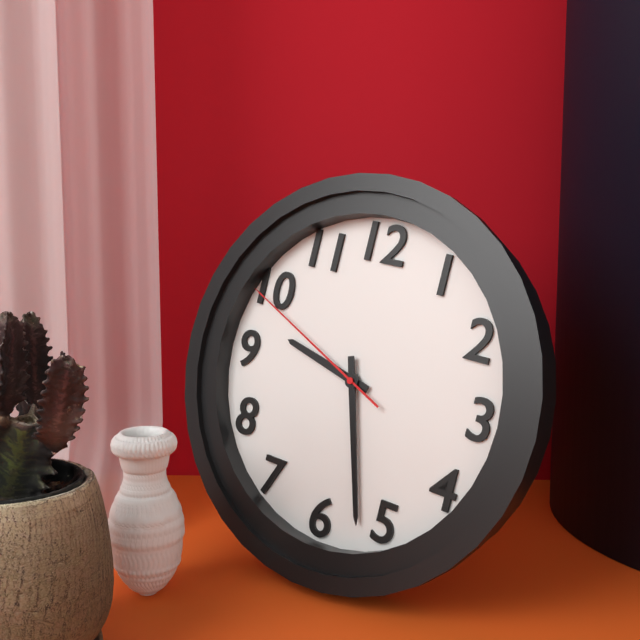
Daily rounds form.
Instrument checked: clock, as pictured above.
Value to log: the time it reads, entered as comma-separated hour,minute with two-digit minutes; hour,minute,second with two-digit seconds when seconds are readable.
9,27,49
